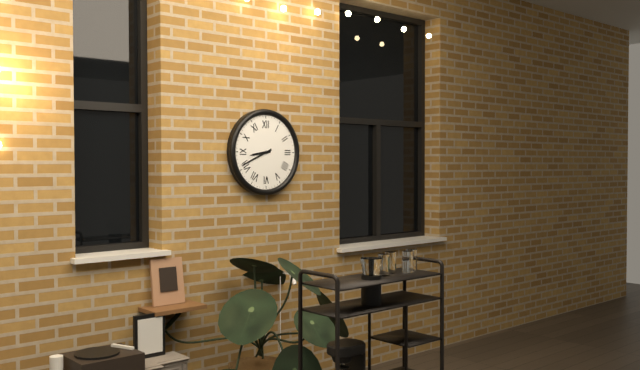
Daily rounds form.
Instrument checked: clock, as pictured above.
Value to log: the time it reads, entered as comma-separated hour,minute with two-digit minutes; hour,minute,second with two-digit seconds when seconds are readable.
8,41
